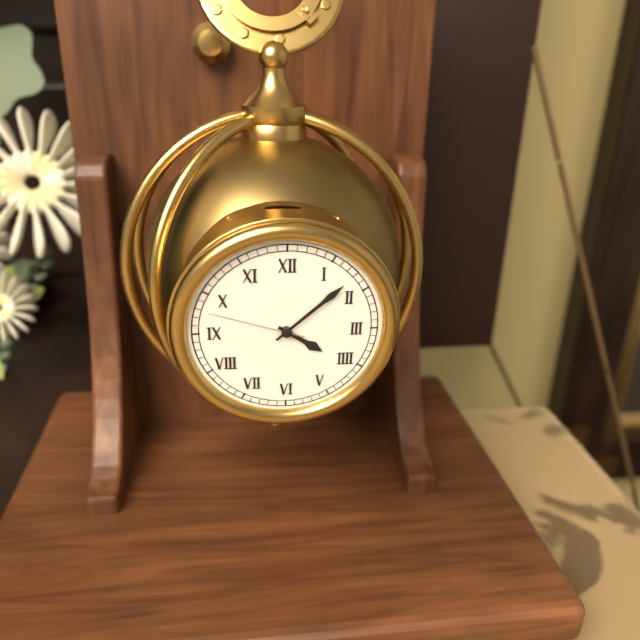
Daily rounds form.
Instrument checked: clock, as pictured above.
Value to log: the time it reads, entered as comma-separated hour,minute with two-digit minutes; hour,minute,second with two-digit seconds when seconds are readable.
4,08,48
